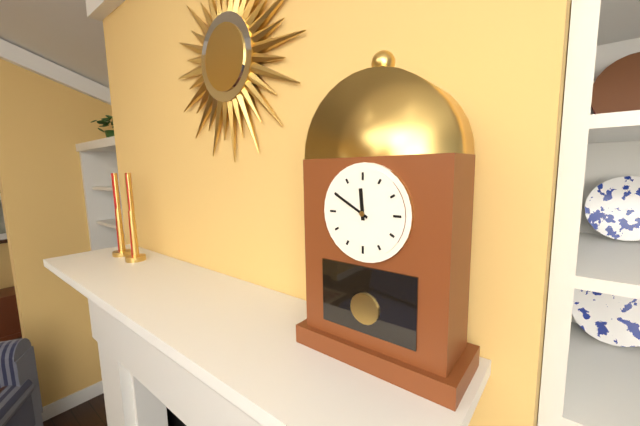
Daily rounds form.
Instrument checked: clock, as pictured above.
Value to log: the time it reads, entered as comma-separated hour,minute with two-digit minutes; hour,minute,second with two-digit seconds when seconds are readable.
11,50
